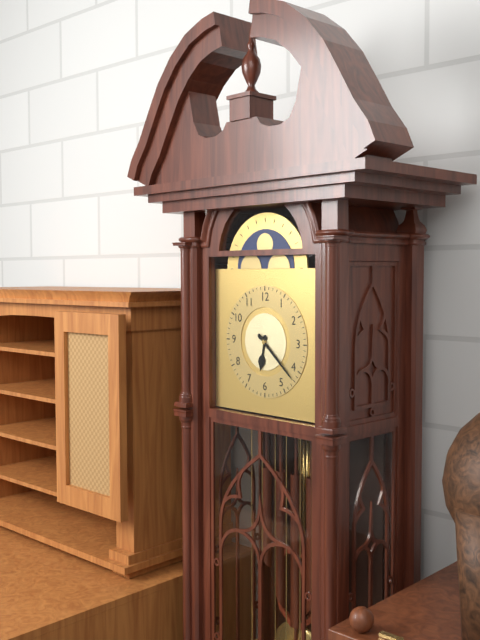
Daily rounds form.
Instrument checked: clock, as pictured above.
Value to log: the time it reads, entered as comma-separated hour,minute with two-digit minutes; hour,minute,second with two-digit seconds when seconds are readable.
6,22
